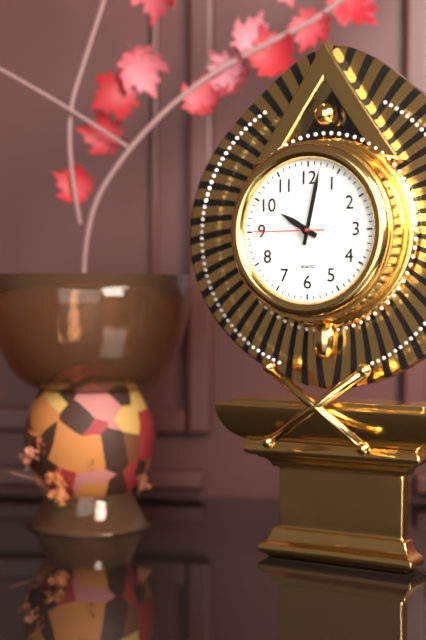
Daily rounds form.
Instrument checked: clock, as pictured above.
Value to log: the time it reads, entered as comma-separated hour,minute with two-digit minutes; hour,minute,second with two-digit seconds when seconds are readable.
10,02,45
